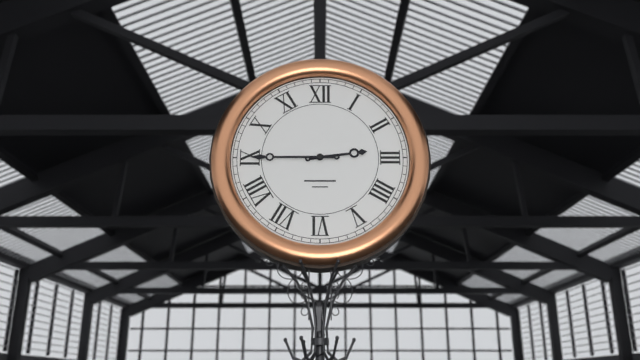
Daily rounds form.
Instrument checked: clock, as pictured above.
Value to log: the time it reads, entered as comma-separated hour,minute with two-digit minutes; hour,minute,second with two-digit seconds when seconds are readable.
2,45
